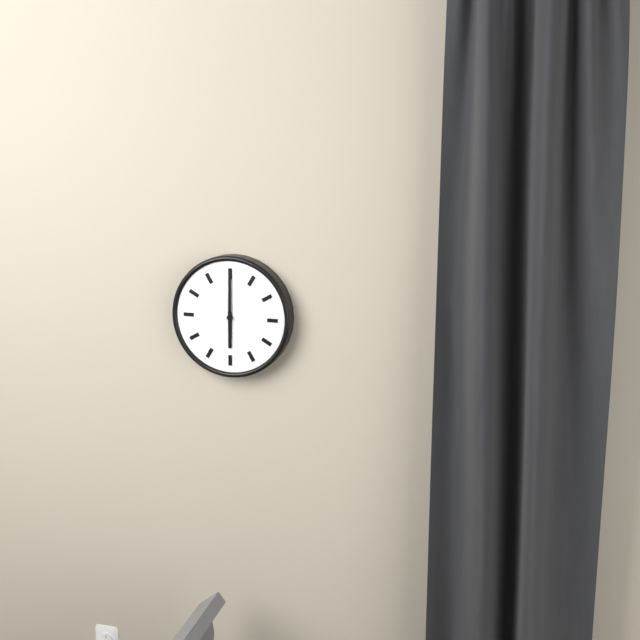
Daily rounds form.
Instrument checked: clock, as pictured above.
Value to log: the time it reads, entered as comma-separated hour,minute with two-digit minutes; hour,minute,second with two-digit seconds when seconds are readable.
6,00
